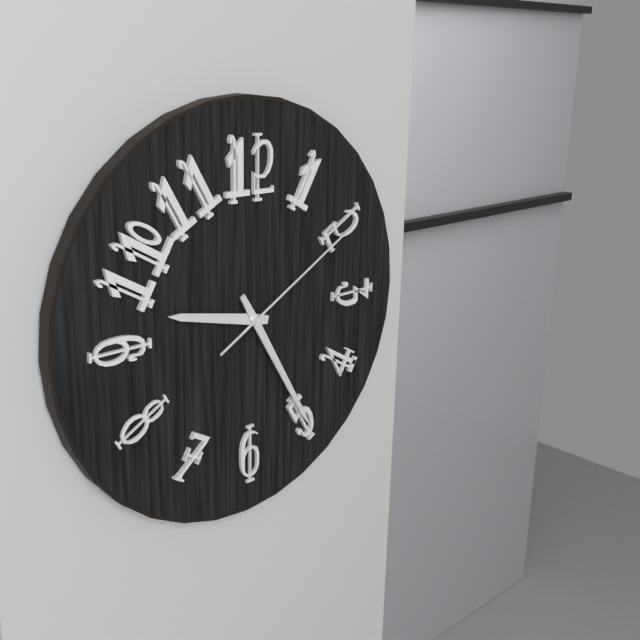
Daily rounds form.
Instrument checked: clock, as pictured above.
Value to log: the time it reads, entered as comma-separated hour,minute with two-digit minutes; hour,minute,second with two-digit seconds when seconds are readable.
9,25,10
